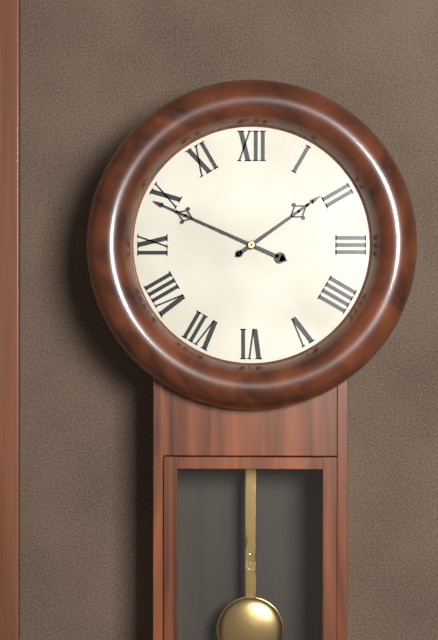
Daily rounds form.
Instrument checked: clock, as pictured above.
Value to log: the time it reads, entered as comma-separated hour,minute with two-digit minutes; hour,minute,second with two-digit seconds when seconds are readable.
1,49
